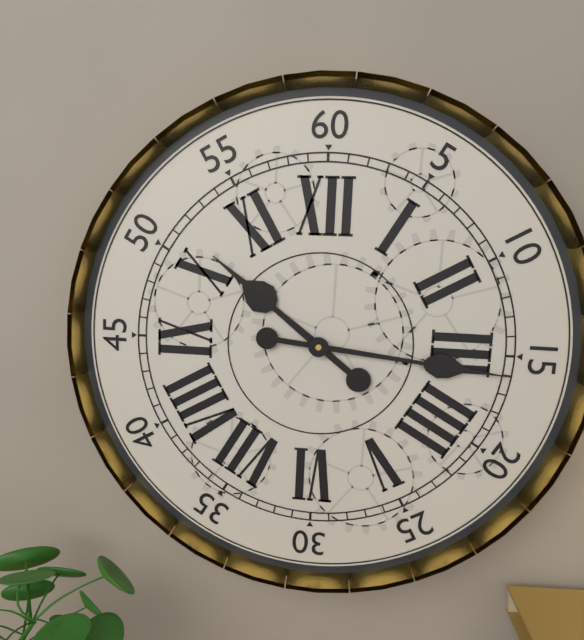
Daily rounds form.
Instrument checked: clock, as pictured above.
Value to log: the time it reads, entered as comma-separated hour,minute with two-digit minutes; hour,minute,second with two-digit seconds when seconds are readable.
10,16
